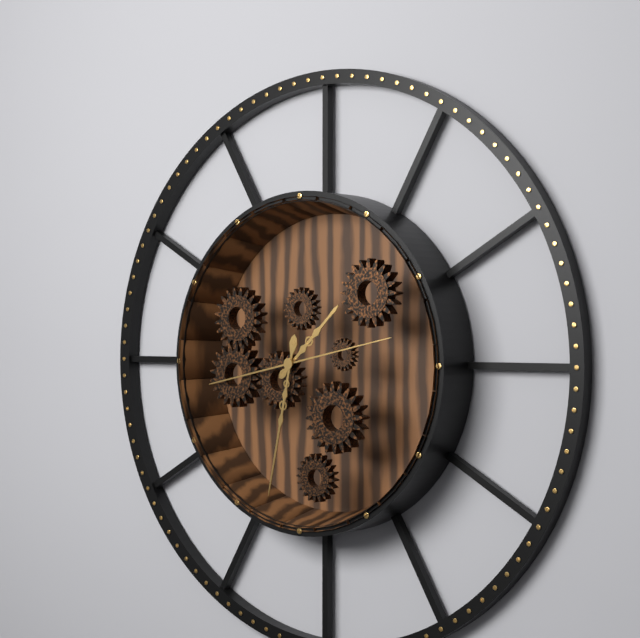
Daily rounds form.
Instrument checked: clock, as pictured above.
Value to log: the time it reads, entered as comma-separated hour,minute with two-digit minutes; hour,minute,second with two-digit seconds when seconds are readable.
1,32,13
